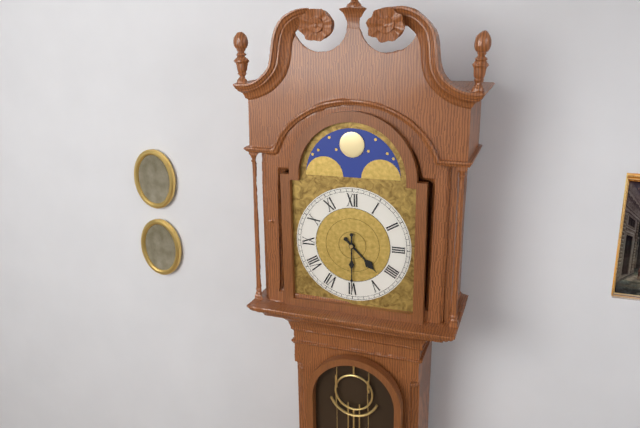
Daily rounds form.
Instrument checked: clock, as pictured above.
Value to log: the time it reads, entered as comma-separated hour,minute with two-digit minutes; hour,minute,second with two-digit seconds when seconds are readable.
4,30
